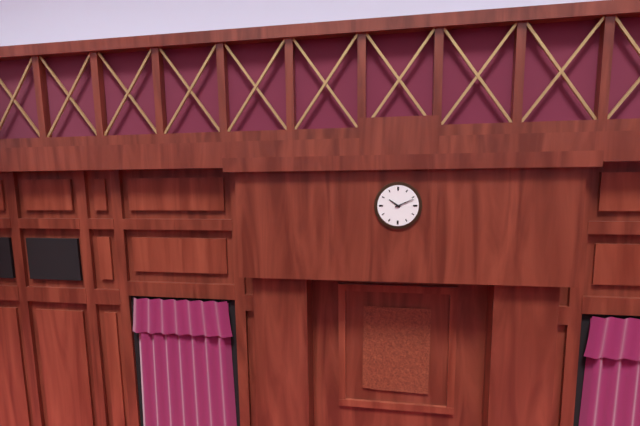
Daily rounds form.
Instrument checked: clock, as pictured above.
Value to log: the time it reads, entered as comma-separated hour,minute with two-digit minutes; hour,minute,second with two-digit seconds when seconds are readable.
10,11
